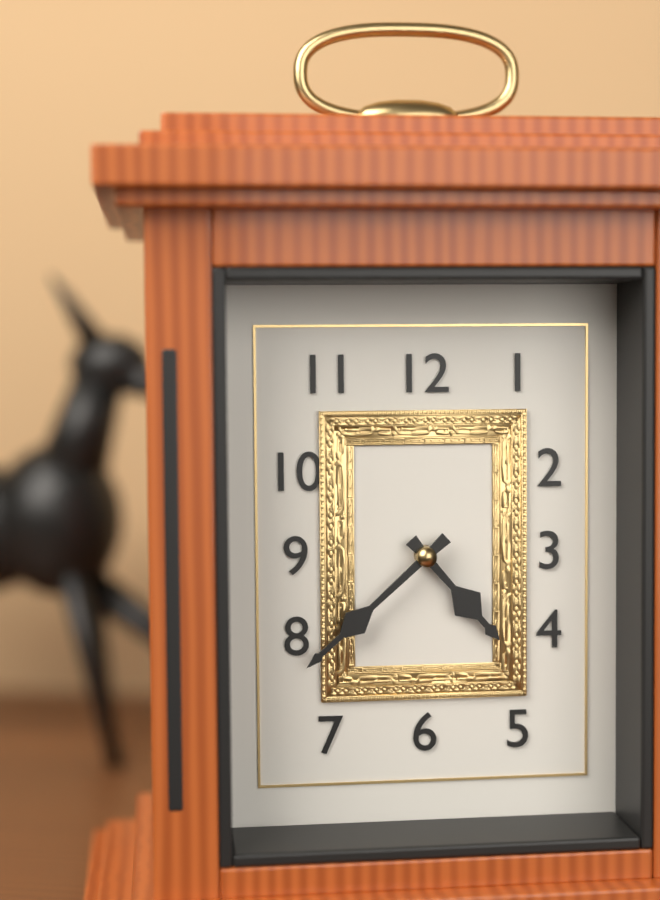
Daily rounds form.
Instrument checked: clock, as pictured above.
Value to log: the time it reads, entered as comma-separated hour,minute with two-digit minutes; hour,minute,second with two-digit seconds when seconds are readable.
4,38
